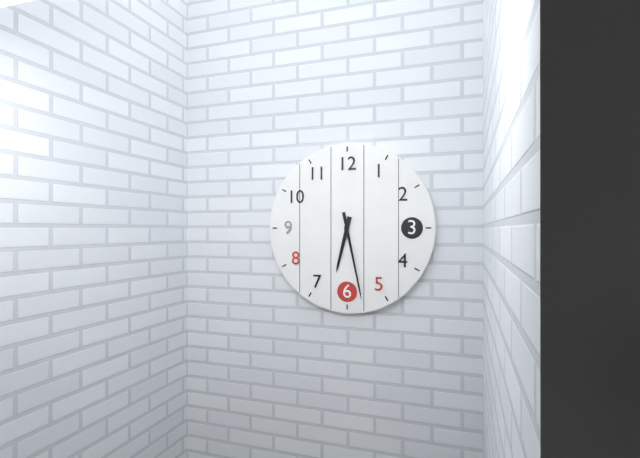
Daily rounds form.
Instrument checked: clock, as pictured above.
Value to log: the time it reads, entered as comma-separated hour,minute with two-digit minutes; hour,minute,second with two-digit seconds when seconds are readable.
6,28
